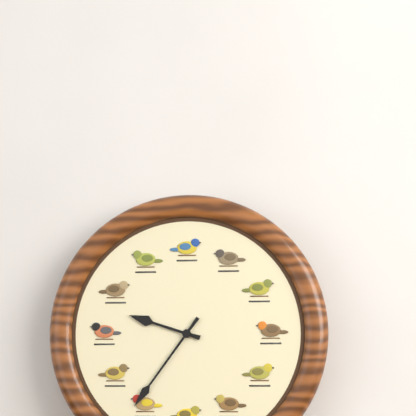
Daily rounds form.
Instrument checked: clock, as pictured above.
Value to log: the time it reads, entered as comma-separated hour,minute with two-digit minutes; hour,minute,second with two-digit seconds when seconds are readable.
9,36
